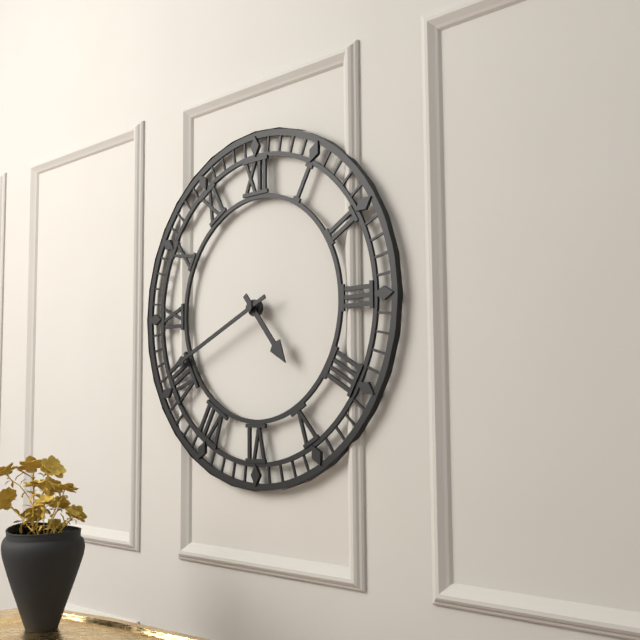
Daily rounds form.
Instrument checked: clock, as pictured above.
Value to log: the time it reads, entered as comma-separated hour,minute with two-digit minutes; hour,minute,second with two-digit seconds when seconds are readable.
4,41
